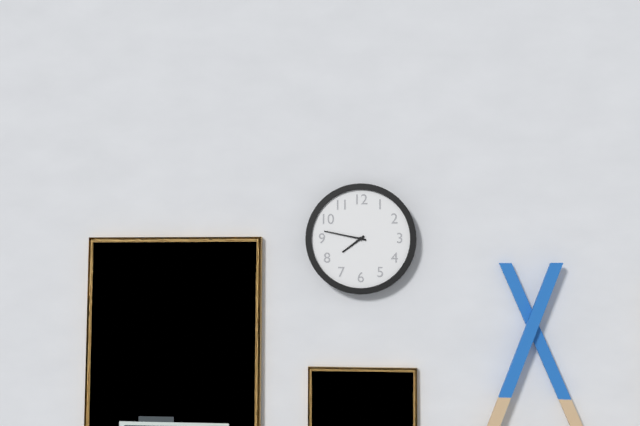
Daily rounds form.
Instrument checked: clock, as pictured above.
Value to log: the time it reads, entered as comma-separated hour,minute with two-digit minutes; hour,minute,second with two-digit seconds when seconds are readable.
7,47
